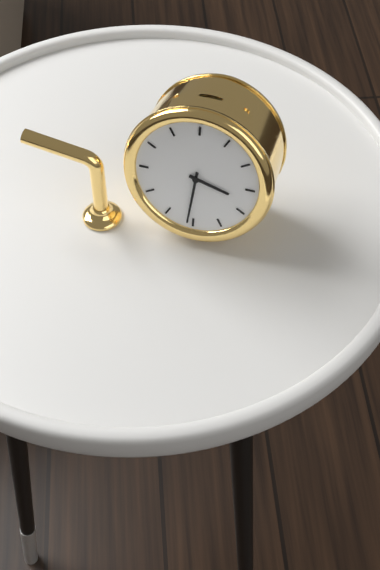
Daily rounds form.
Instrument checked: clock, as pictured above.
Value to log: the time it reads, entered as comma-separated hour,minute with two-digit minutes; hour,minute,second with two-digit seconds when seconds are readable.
3,31
